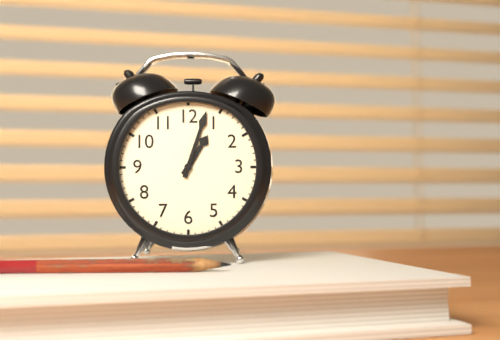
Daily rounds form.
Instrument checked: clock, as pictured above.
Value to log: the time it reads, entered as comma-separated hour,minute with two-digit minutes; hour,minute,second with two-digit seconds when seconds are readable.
1,03
